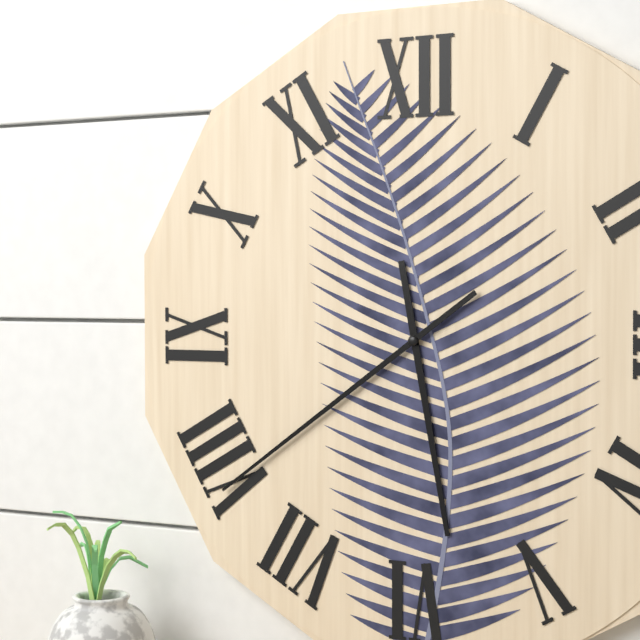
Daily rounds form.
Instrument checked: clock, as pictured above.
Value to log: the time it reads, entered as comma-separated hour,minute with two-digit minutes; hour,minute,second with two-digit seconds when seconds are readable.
5,39
